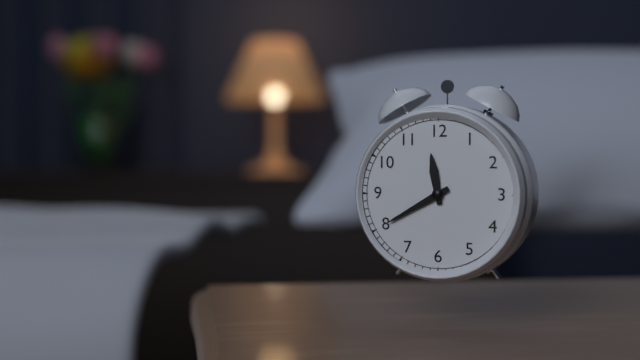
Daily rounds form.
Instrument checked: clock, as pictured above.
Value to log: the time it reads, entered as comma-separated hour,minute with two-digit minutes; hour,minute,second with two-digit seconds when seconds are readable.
11,40
